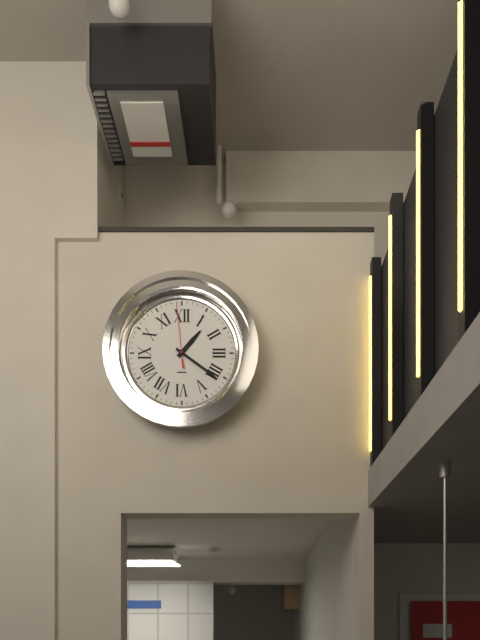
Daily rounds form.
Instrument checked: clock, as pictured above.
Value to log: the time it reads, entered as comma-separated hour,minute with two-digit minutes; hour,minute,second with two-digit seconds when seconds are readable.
1,21,59
